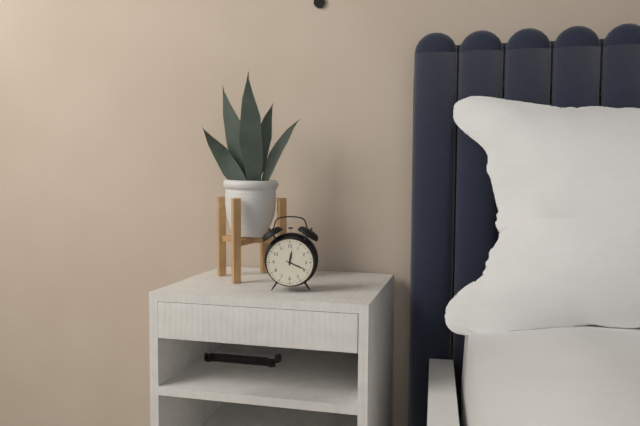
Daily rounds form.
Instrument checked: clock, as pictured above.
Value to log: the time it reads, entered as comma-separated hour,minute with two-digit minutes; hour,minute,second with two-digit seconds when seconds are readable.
12,19
